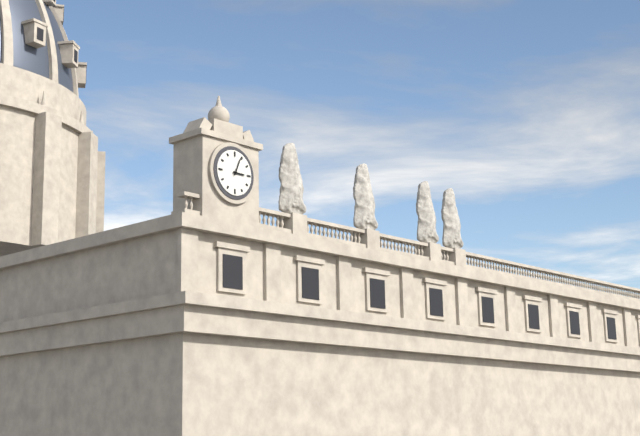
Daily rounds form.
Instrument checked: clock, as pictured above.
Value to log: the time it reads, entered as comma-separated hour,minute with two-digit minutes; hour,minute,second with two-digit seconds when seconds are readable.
3,04
